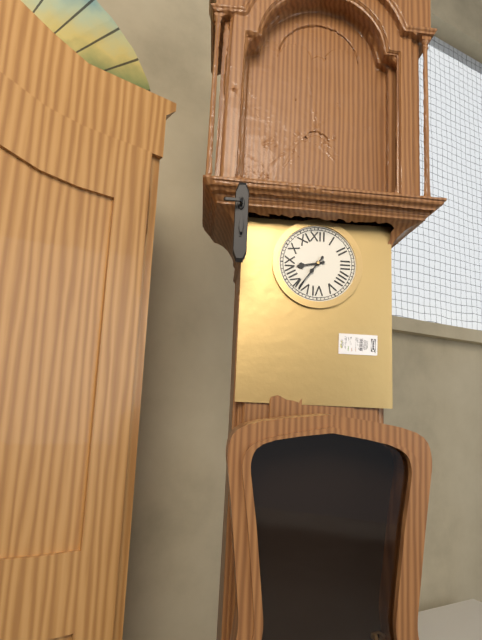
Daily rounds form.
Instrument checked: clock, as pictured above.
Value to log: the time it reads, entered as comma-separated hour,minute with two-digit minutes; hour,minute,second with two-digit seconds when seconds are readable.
8,36
